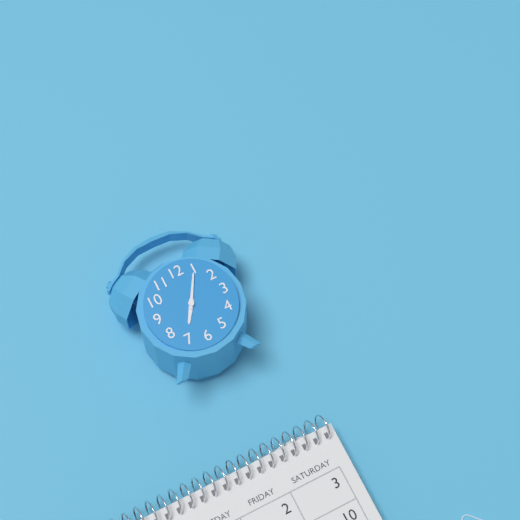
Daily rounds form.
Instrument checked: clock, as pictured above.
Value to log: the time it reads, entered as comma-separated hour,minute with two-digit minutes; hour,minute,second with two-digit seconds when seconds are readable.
7,05
